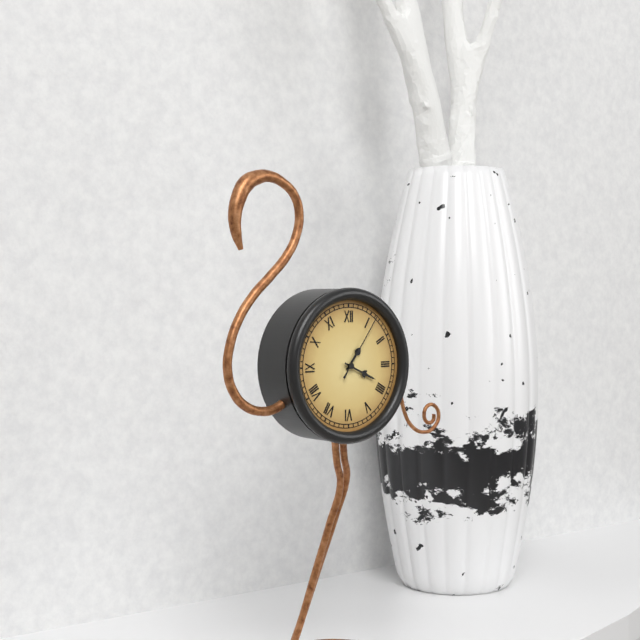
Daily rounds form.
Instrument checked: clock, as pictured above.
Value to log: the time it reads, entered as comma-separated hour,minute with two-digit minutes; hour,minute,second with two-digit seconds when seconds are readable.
1,19,06
